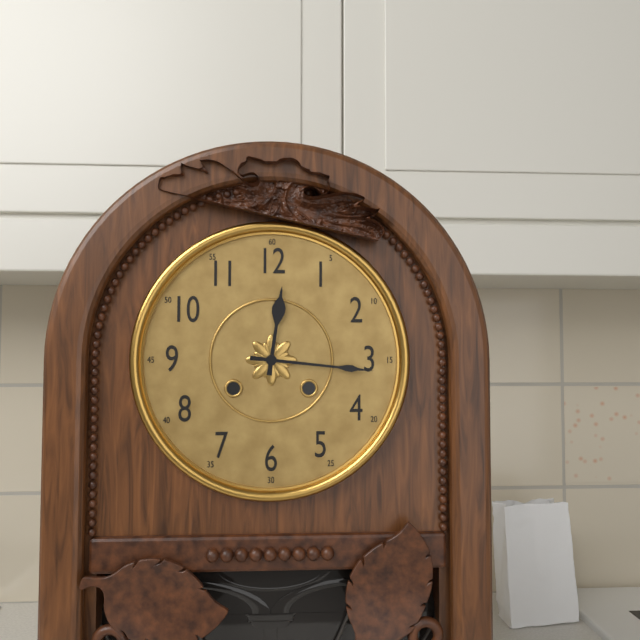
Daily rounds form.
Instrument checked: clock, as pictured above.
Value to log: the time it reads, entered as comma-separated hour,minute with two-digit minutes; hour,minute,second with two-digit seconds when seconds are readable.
12,16
